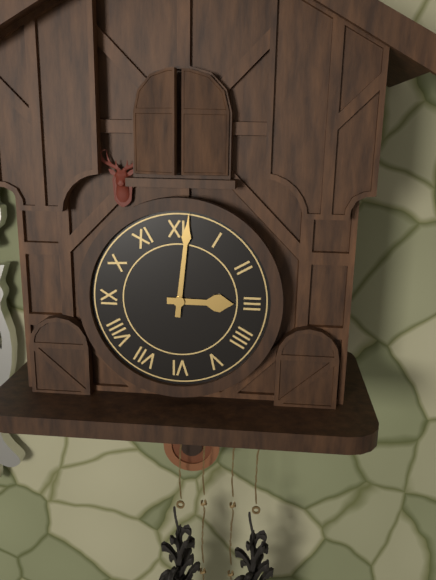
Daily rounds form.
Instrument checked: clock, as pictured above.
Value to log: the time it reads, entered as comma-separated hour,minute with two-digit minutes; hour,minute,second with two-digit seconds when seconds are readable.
3,01
